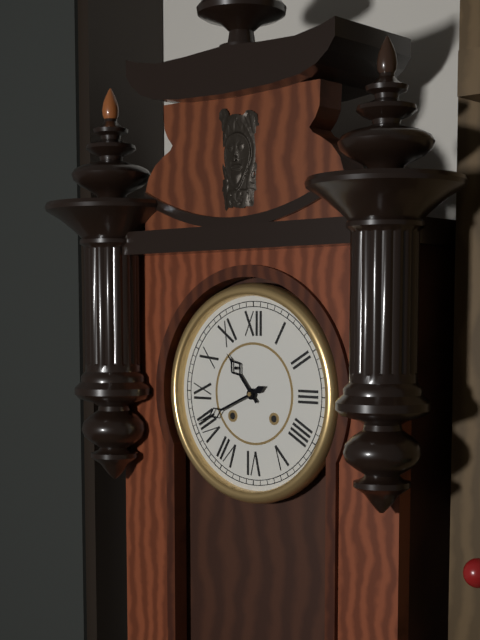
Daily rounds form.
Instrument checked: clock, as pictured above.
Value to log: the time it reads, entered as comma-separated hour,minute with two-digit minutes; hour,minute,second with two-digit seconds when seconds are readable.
10,41
